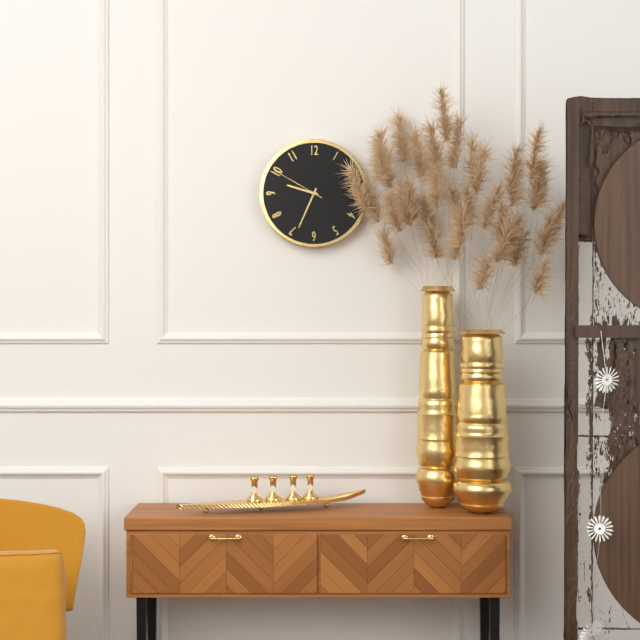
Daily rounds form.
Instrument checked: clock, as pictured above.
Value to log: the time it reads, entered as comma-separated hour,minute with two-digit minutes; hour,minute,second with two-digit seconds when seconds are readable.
9,34,50
